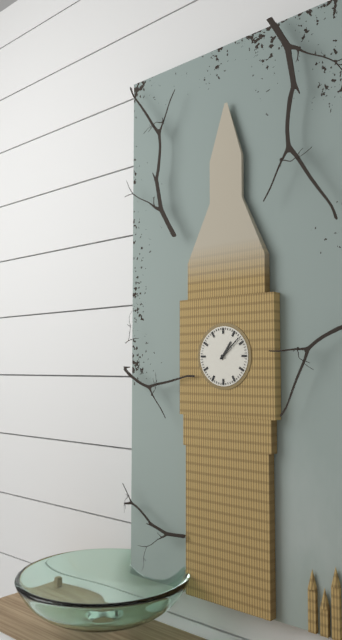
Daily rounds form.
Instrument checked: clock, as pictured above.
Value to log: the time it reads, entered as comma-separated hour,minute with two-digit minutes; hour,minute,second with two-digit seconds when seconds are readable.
1,08
